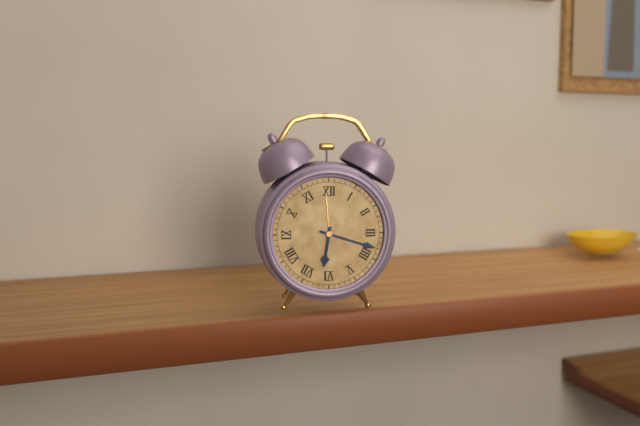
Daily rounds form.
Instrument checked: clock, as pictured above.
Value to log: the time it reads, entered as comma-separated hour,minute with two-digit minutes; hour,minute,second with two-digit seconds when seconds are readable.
6,18
